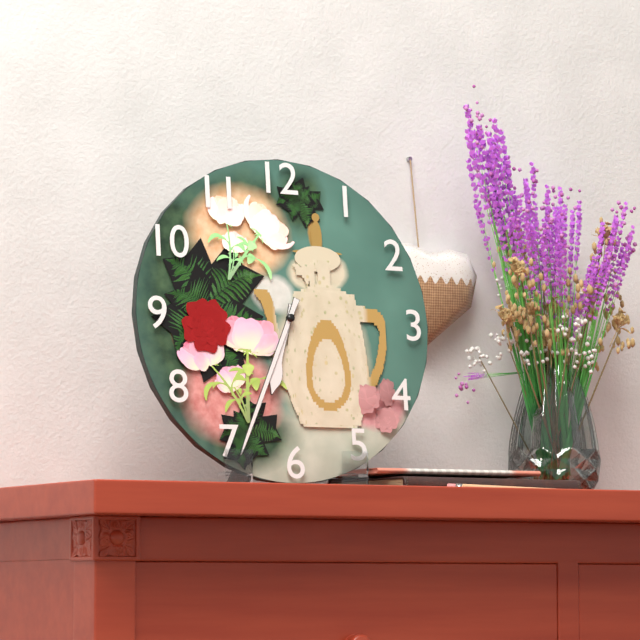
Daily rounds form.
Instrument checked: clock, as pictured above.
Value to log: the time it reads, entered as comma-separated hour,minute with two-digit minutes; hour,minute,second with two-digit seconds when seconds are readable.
6,34
